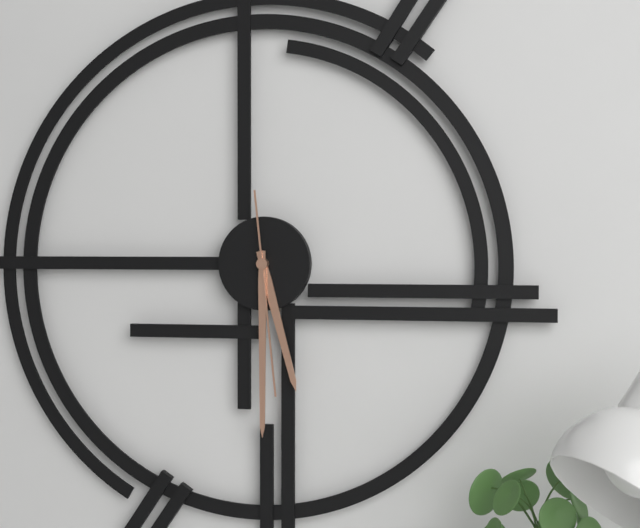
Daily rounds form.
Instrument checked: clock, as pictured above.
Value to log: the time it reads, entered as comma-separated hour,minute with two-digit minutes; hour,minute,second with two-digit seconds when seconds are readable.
5,30,29
